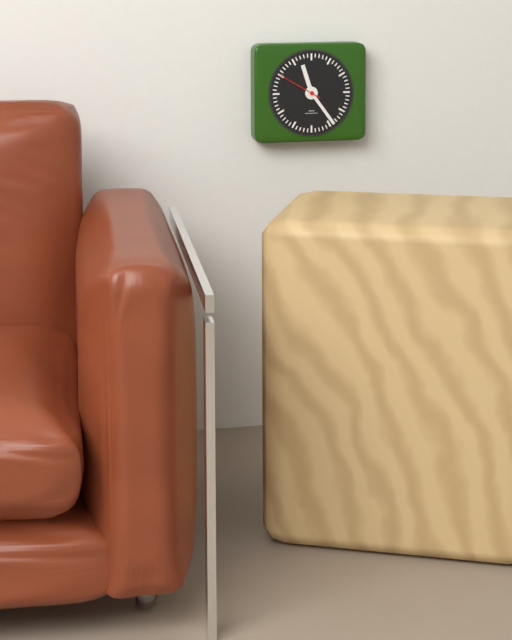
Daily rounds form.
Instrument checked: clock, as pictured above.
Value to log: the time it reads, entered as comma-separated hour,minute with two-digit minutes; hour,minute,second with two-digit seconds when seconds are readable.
11,24
